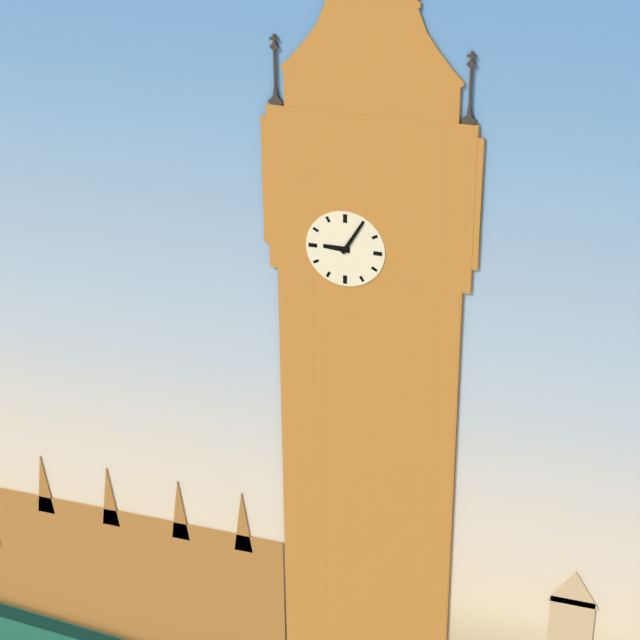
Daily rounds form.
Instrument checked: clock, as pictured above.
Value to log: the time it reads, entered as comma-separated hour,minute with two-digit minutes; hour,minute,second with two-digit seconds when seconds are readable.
9,05
